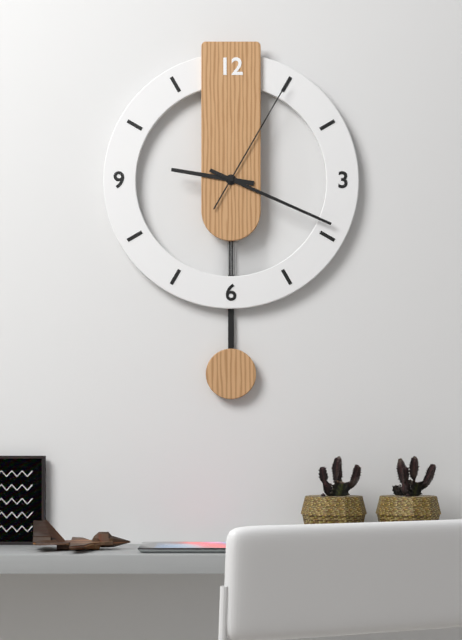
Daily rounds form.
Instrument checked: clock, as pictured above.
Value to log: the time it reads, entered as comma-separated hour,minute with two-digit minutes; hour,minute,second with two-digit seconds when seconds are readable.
9,19,05
